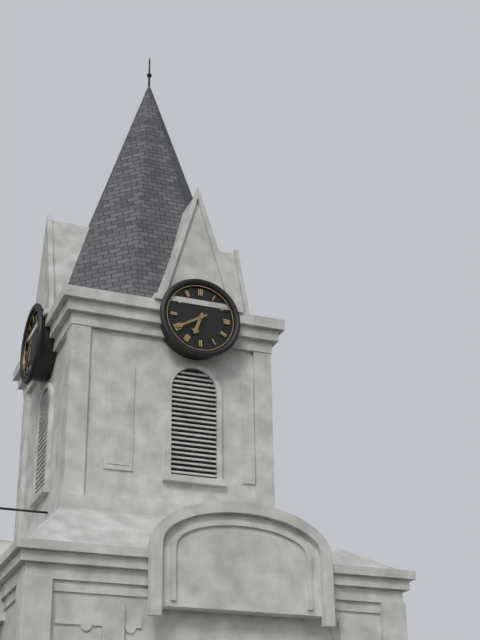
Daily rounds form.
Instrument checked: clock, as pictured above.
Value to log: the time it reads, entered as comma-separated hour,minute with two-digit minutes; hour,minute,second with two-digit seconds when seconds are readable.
6,40
